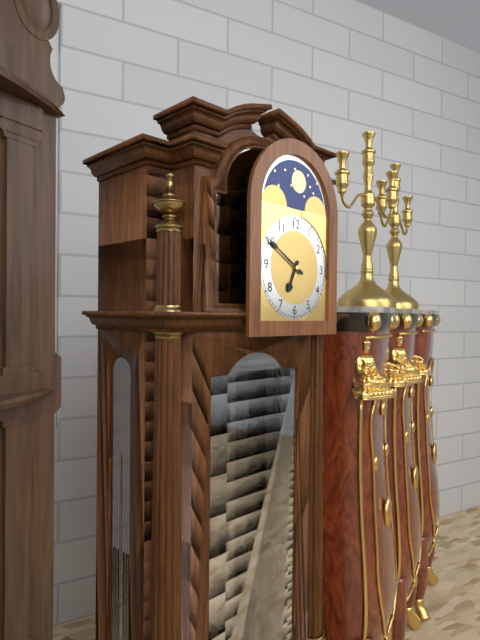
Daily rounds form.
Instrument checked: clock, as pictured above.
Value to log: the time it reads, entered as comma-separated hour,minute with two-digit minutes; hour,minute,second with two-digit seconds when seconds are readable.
6,50
